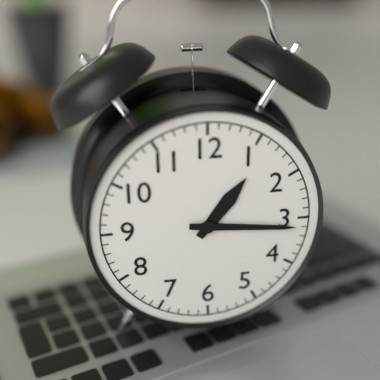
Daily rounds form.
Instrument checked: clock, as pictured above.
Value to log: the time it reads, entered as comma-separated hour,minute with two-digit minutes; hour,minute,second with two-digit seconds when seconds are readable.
1,16
